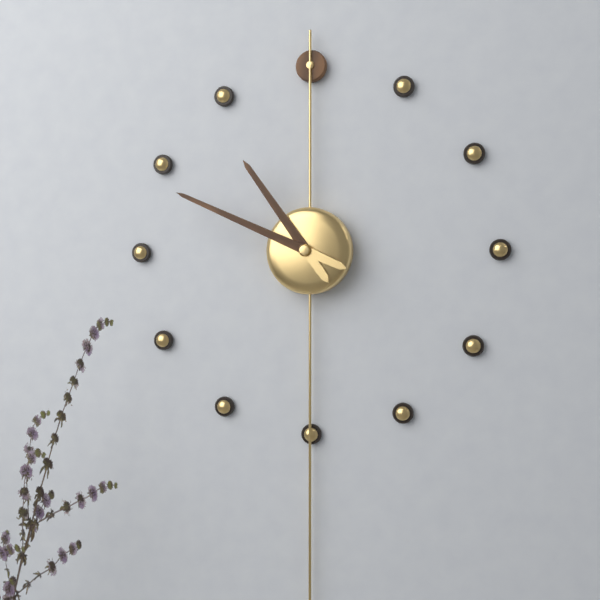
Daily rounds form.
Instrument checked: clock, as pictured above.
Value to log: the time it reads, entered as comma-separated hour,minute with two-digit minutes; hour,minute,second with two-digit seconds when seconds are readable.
10,49
